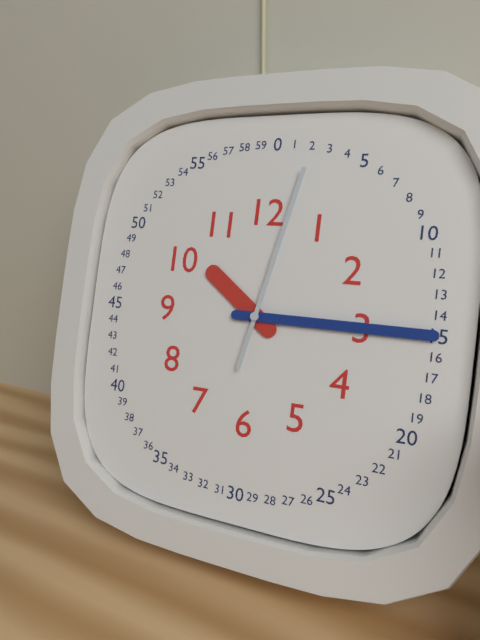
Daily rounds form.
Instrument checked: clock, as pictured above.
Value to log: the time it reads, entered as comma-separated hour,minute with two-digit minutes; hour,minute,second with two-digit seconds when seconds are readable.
10,15,02
